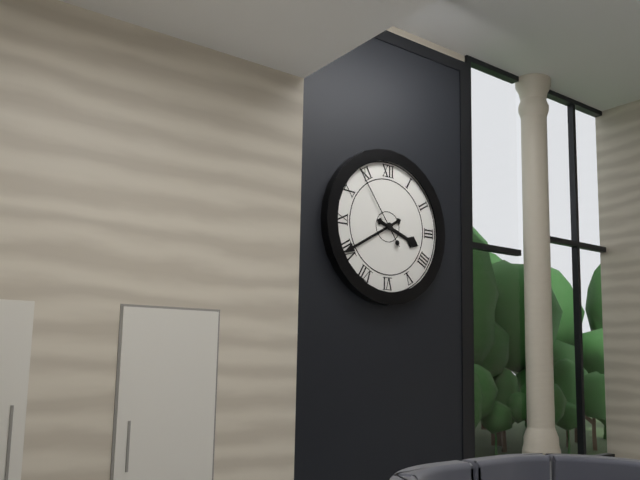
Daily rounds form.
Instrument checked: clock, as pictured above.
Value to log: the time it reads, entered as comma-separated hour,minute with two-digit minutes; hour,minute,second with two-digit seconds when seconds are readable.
3,40,54
